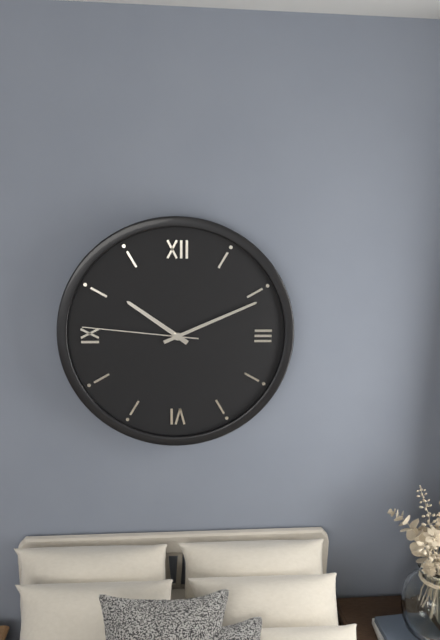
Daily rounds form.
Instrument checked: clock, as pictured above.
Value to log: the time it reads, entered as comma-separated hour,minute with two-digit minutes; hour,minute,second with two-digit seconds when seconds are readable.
10,11,46
